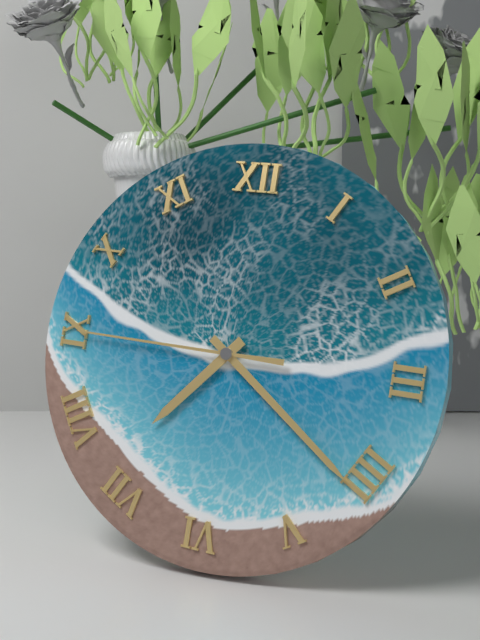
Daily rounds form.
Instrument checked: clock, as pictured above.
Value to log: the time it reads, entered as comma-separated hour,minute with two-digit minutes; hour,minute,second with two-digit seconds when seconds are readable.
7,21,45
